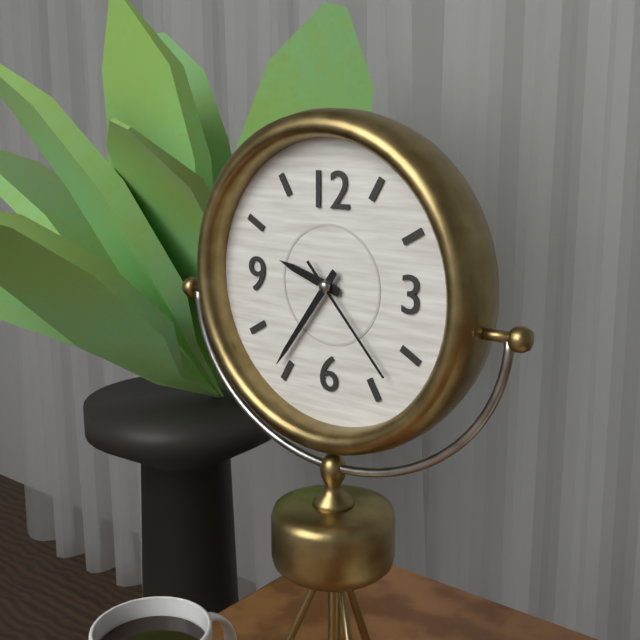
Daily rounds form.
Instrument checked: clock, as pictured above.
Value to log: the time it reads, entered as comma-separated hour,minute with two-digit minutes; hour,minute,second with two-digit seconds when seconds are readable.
9,36,23
